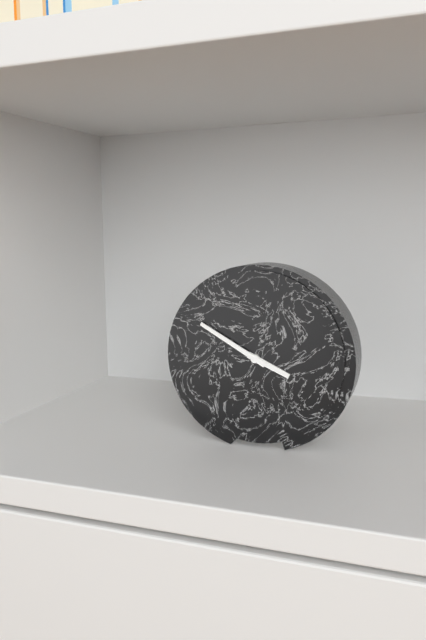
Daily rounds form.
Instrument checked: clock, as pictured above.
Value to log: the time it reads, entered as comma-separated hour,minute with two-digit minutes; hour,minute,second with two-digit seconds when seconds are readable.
3,50
